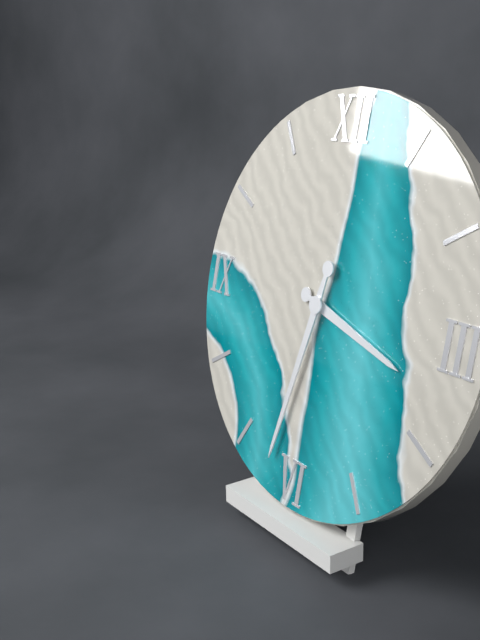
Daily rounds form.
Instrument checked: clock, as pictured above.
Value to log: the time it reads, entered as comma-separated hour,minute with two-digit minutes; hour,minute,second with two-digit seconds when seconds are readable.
3,32
